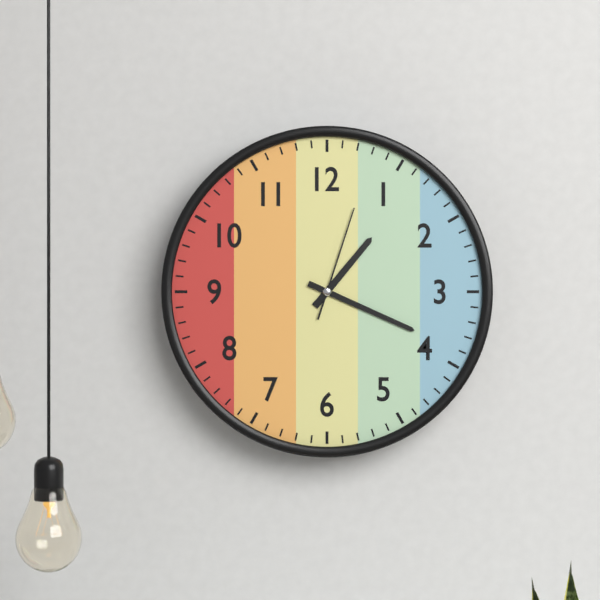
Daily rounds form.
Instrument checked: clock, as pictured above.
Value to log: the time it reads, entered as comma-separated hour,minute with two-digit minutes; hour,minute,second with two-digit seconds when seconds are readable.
1,19,03
